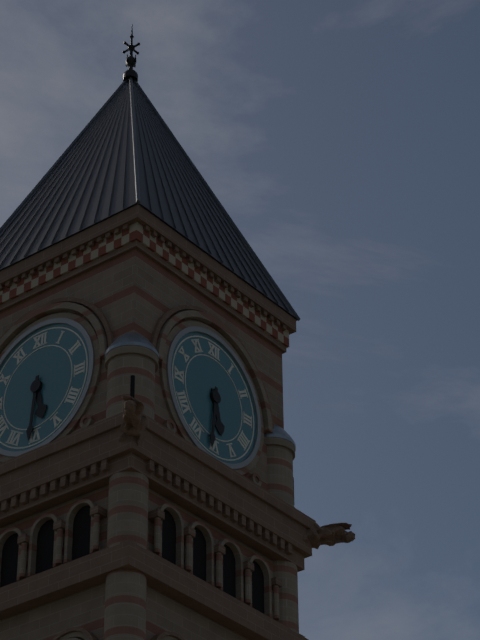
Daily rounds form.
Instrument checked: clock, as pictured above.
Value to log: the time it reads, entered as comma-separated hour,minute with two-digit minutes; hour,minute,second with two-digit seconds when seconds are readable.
5,31
